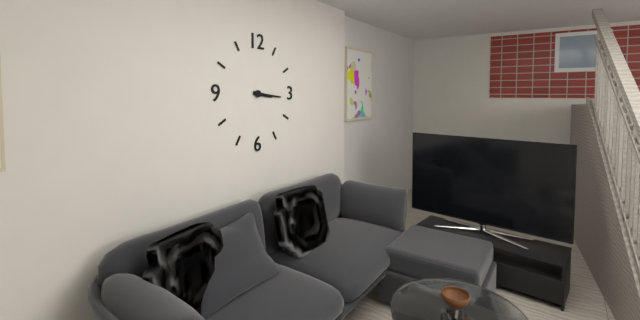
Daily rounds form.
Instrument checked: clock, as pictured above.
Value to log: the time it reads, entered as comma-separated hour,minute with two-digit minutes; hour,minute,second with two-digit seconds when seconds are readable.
3,16
